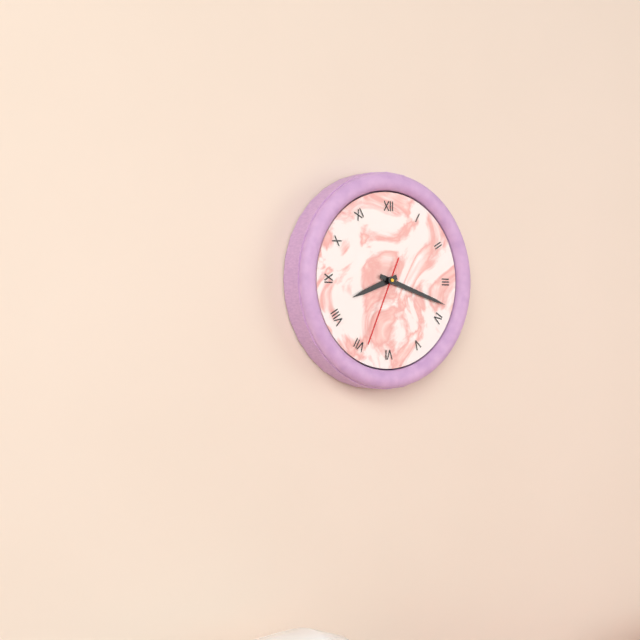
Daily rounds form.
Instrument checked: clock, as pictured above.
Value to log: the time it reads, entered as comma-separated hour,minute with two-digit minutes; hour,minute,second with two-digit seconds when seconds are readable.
8,18,34
